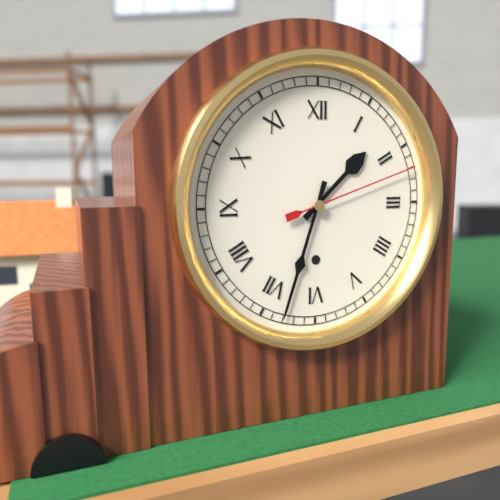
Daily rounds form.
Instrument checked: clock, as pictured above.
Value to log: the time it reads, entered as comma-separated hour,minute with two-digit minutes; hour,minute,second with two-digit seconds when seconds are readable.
1,33,12
